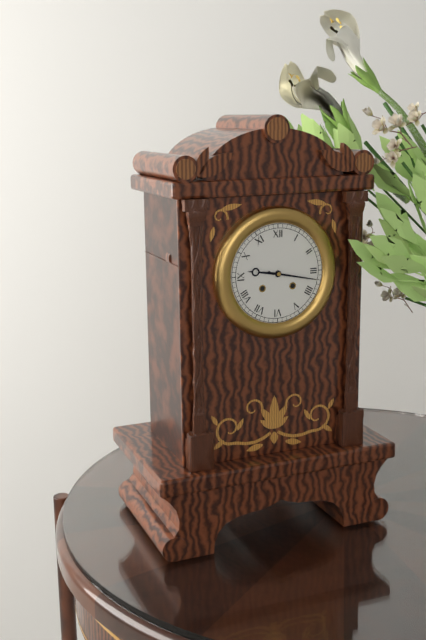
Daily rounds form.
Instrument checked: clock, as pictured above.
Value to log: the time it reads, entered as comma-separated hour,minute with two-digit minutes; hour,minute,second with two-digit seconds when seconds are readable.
9,17
